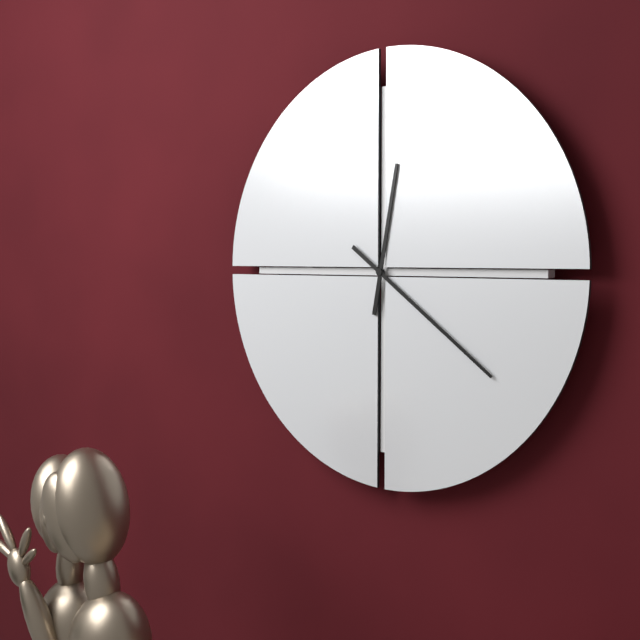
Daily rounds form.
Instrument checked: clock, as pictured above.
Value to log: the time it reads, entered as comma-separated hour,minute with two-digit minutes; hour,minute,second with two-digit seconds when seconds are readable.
12,21
